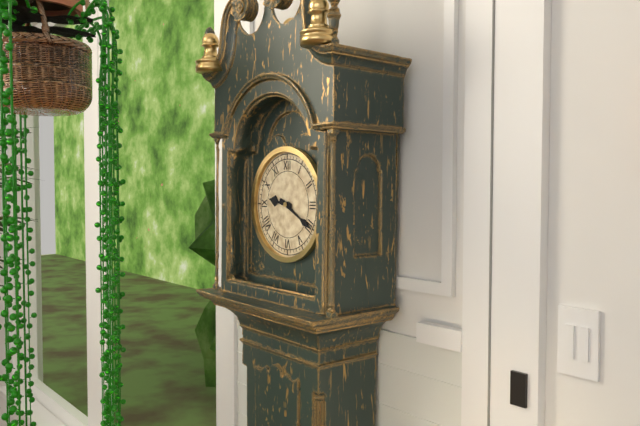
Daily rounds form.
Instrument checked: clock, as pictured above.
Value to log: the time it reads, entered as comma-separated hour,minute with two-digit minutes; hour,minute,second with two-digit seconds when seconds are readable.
9,20
